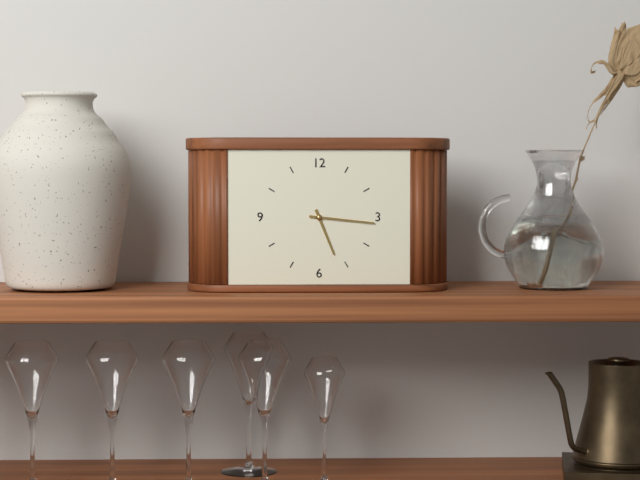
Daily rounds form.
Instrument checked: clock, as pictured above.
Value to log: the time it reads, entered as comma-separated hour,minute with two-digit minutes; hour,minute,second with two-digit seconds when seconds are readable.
5,16
